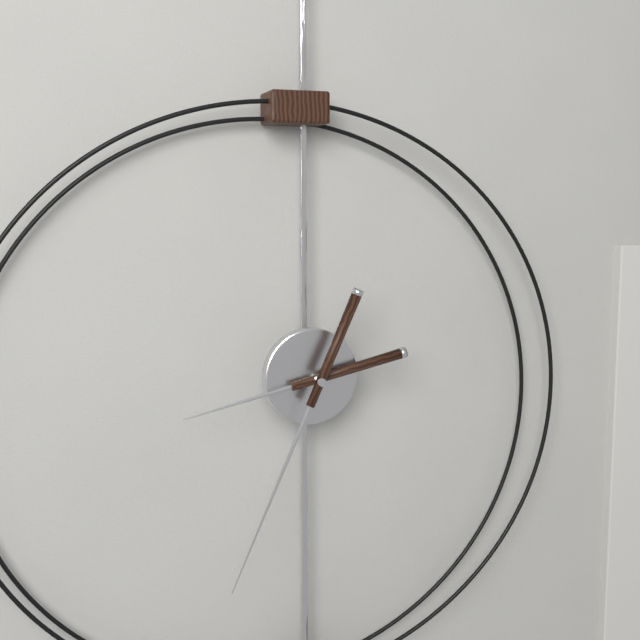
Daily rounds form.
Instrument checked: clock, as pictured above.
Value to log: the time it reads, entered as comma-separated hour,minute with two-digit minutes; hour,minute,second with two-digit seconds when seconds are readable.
8,34
